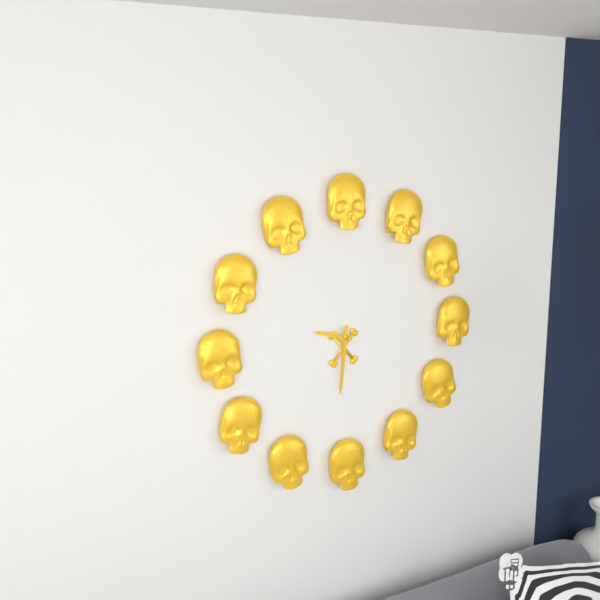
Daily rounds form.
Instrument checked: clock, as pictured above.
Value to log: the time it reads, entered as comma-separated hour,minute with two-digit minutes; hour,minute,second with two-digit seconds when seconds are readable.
9,31
